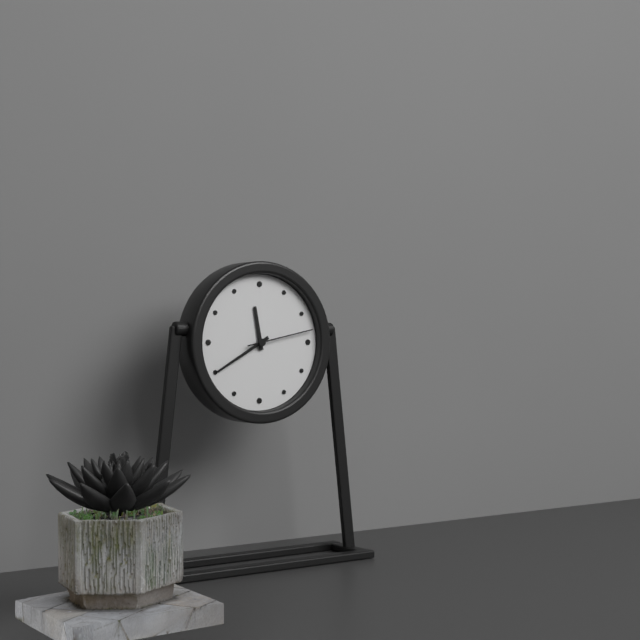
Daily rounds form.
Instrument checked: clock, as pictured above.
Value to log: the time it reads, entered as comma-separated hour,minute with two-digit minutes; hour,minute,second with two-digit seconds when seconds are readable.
11,40,13
